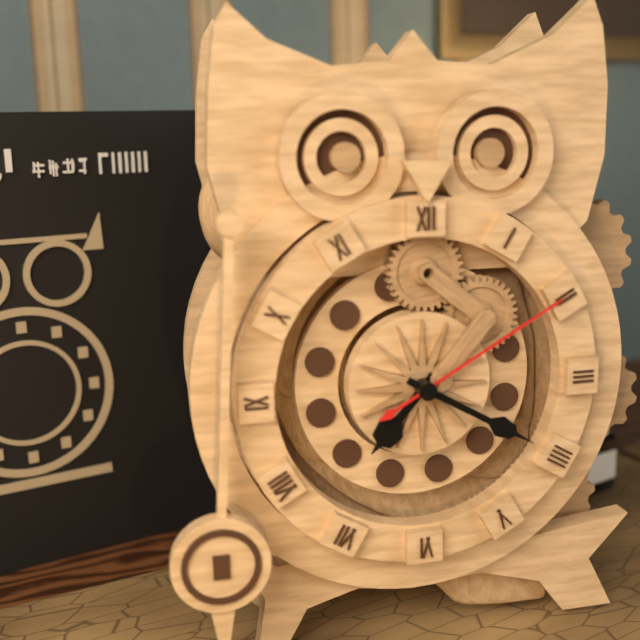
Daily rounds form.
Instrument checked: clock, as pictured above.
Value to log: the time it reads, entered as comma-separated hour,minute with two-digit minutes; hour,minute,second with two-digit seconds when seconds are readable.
7,20,10
